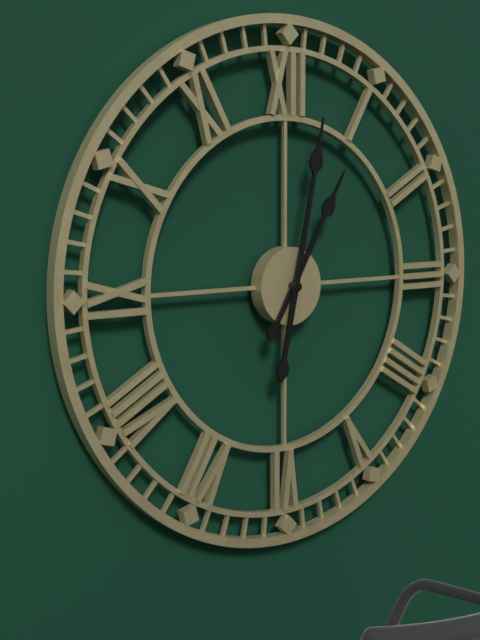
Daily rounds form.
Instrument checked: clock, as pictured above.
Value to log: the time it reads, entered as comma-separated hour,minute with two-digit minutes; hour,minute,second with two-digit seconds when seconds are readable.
1,02
